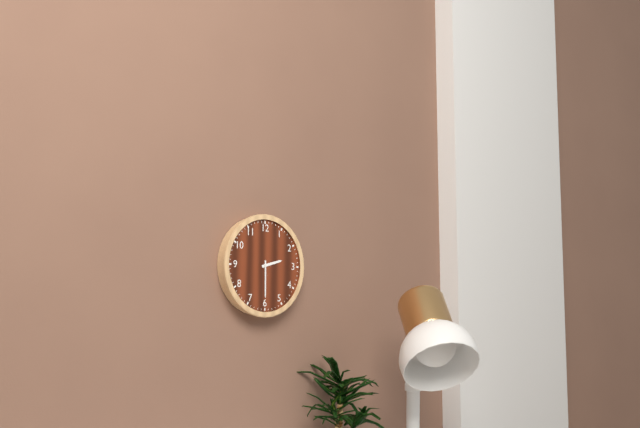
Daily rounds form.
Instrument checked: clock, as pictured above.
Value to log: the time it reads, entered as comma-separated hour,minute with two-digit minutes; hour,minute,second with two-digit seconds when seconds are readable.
2,30
